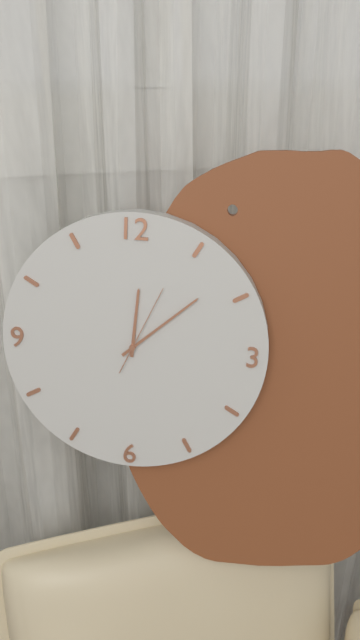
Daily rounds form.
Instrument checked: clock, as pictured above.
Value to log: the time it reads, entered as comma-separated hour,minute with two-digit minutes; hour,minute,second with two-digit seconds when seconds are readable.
12,08,04
